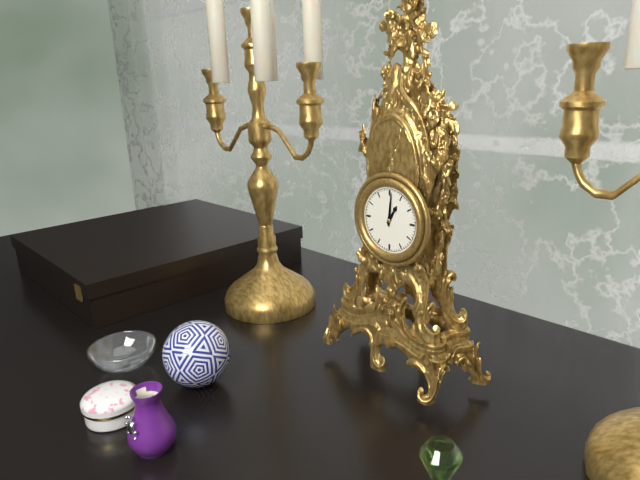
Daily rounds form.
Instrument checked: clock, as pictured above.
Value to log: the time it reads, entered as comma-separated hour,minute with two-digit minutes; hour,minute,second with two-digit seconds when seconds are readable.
1,01
